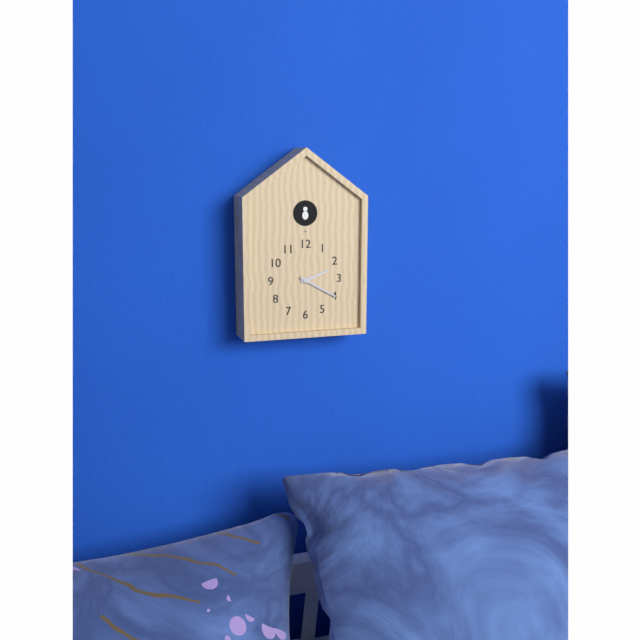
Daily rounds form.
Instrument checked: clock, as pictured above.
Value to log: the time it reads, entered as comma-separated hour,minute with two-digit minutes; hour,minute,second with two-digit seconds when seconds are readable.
2,20
